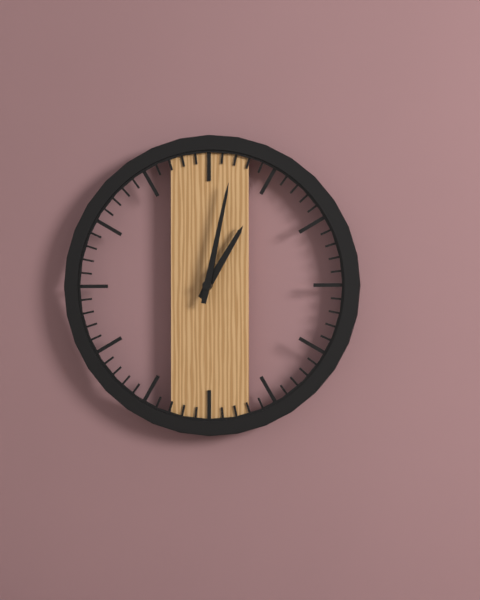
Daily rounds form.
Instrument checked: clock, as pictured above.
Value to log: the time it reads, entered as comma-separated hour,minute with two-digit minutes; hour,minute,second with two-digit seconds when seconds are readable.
1,02
